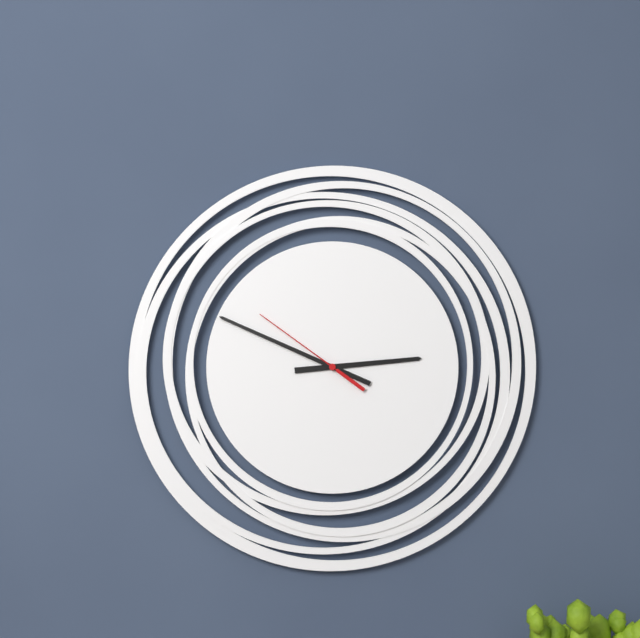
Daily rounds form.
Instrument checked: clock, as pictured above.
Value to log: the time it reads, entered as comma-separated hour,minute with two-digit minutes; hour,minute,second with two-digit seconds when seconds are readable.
2,49,51
